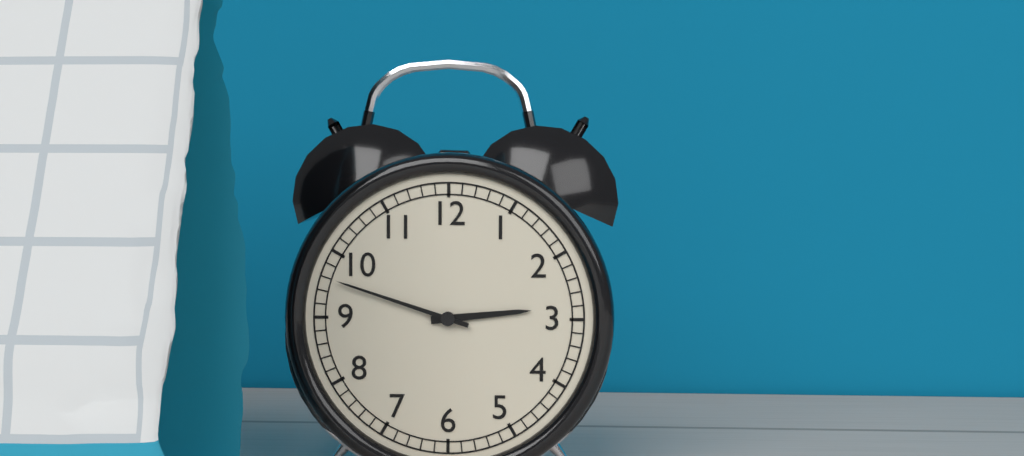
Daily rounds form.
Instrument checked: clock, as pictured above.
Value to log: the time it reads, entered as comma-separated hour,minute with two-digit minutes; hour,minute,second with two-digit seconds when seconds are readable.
2,48
